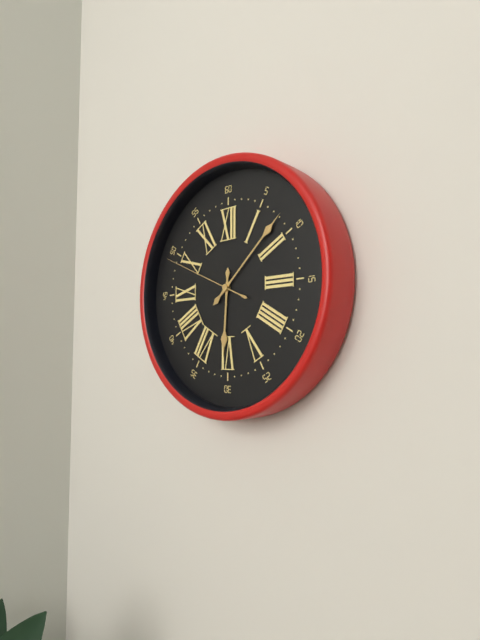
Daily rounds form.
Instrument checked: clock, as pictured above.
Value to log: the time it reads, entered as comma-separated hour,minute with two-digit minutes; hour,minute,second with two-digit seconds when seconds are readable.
6,08,49
